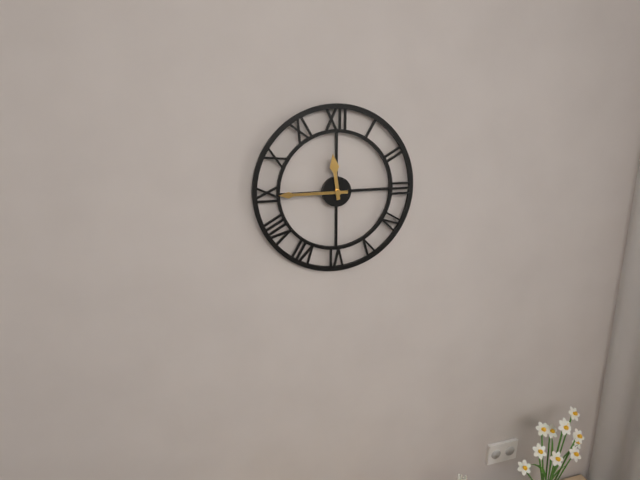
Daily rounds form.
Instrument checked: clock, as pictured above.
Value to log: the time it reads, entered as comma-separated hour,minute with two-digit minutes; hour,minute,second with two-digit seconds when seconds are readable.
11,45
